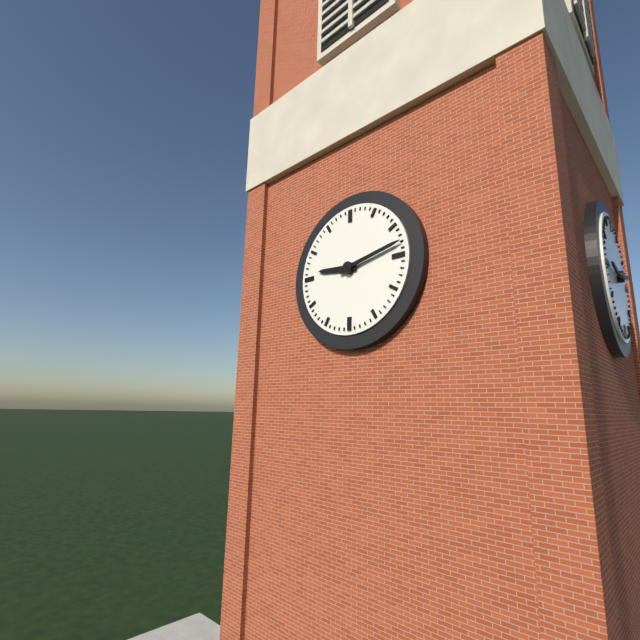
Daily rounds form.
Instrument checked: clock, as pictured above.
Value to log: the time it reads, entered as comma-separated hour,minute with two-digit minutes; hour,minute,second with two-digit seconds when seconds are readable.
9,13
